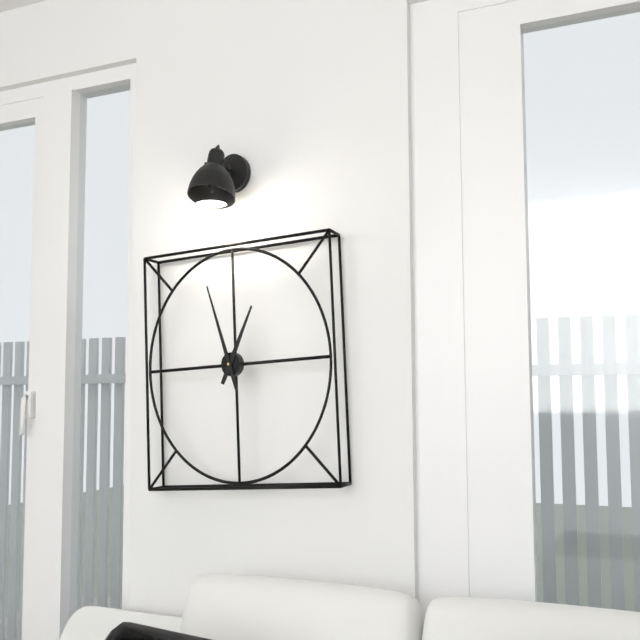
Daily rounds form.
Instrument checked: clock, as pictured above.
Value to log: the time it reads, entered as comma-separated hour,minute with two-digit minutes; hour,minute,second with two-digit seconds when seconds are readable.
12,57
